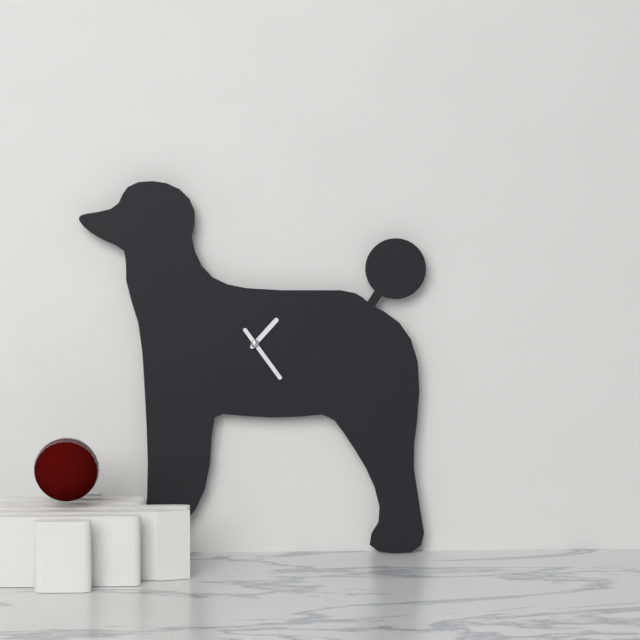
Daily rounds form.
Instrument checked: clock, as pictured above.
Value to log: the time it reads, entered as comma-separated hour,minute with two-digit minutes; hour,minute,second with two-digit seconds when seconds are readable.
1,24
